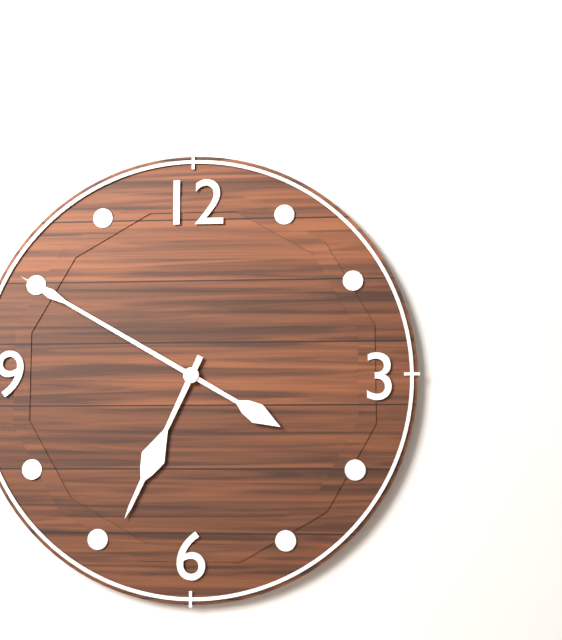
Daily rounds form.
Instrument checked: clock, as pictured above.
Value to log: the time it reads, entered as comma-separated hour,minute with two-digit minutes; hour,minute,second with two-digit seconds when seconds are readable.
6,50
